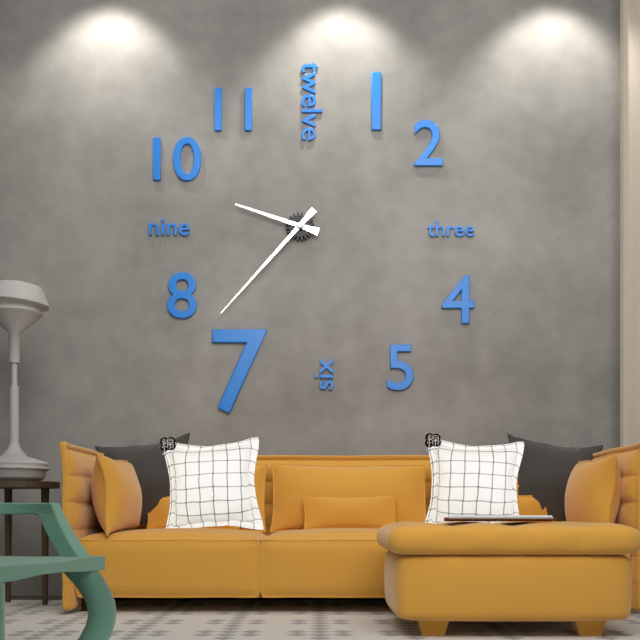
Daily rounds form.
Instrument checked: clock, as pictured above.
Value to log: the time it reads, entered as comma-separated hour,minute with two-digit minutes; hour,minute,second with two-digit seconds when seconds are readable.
9,37
